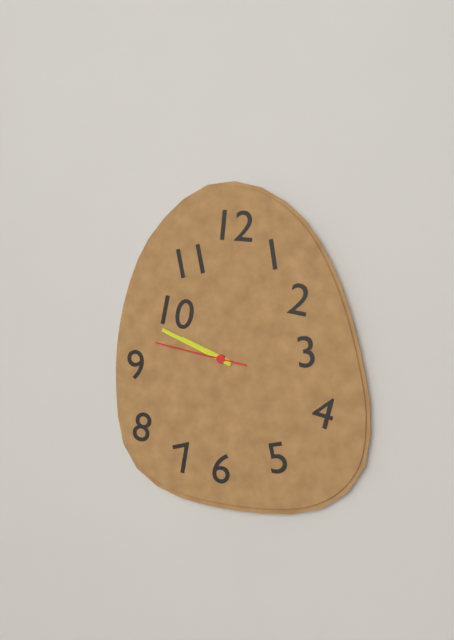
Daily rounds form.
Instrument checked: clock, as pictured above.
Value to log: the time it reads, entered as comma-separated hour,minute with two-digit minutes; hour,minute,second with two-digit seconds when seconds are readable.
9,49,47
